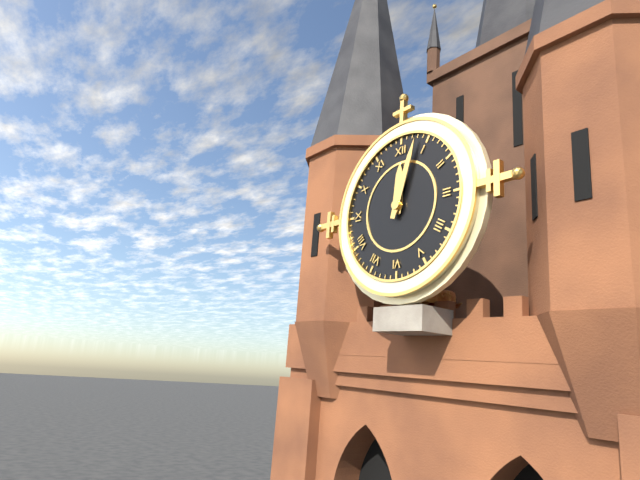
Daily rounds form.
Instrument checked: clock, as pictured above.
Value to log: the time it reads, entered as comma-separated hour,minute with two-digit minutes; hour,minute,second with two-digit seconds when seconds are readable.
12,03
